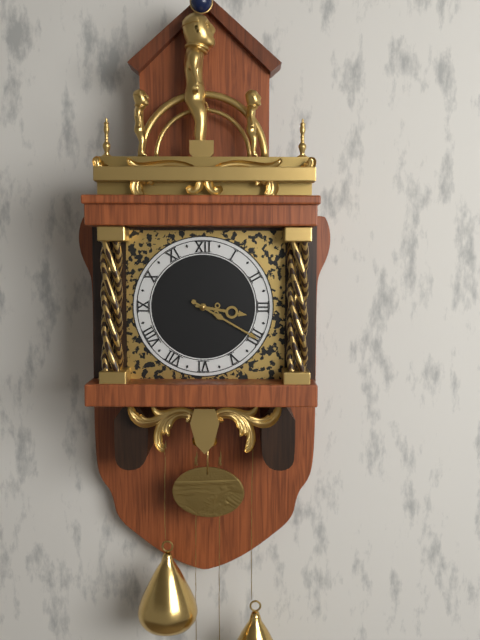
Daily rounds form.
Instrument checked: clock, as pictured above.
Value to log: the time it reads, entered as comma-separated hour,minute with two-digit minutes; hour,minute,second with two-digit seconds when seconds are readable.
3,20
